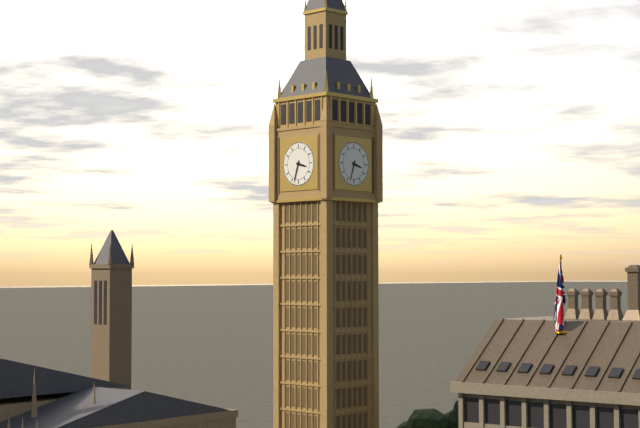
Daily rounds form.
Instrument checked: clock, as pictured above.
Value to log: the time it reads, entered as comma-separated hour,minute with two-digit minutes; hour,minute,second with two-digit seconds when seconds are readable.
3,33
